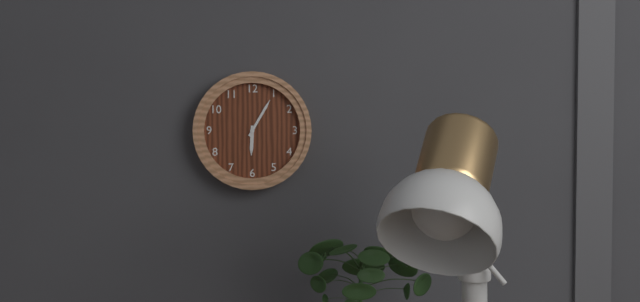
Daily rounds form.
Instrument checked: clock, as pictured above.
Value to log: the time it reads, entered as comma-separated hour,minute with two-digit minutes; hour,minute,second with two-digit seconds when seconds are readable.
6,05
